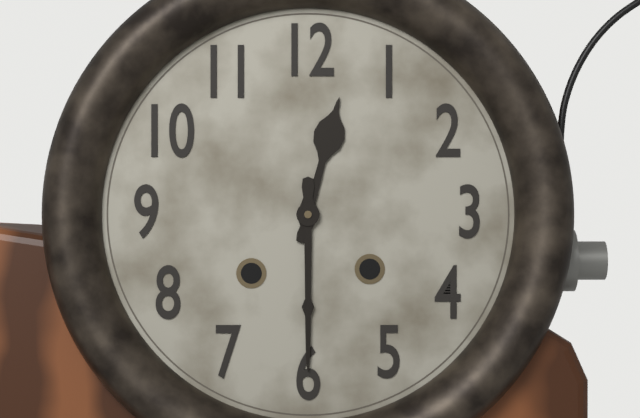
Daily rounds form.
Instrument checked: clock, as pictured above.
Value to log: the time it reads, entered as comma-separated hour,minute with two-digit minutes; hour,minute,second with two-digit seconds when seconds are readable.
12,30
